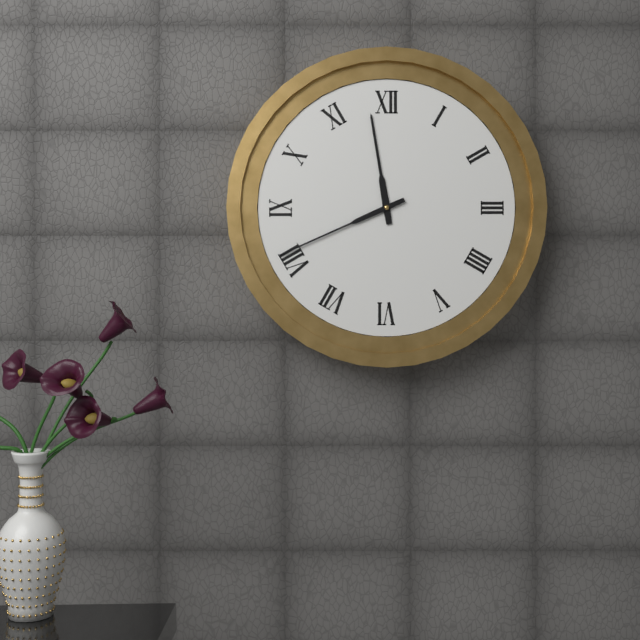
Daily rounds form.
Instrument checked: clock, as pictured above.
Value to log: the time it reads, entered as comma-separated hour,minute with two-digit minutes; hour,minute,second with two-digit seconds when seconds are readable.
11,41
